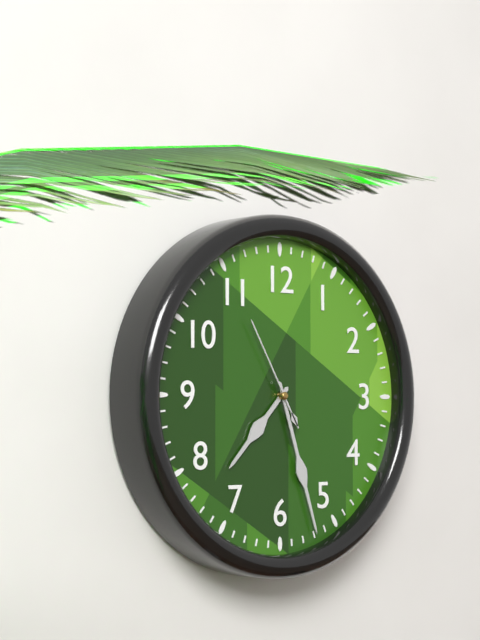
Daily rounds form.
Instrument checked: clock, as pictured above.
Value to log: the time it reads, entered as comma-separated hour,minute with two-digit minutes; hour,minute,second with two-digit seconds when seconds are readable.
7,27,55
